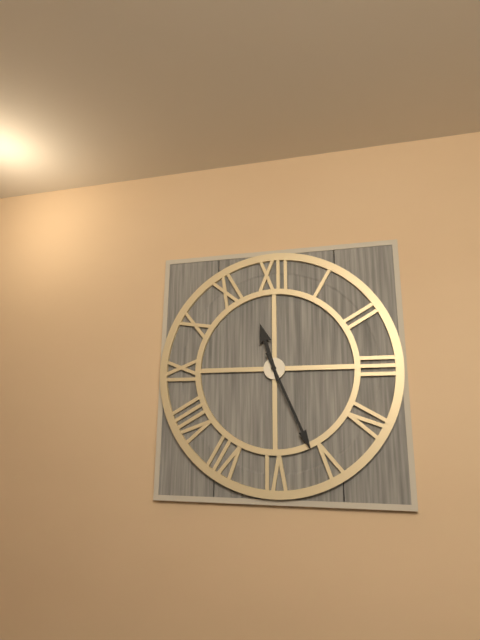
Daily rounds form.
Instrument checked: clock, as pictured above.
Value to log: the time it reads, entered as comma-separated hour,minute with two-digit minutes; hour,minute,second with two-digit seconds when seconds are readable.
11,26
